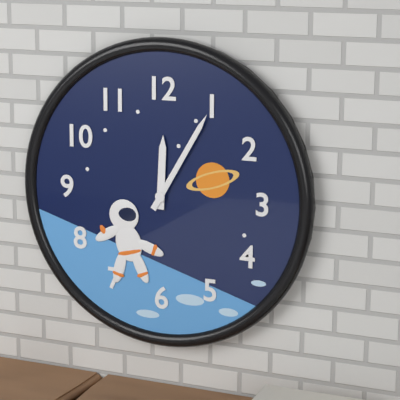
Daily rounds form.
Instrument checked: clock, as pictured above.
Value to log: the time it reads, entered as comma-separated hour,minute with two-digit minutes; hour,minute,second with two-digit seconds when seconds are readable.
12,05
